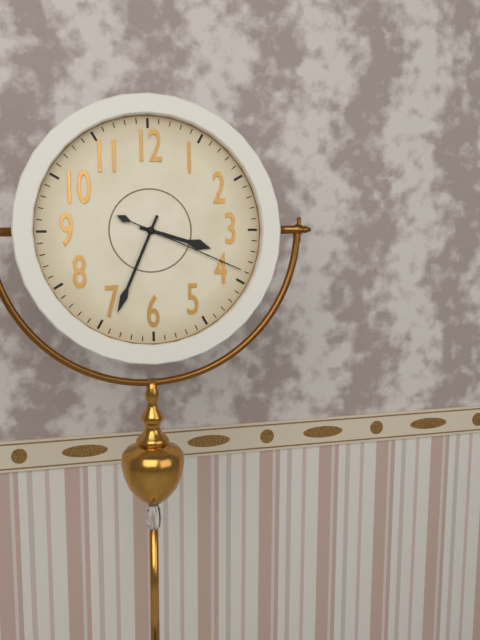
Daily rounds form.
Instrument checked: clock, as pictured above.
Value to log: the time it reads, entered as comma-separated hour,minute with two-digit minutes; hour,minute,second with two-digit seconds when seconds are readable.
3,34,19
